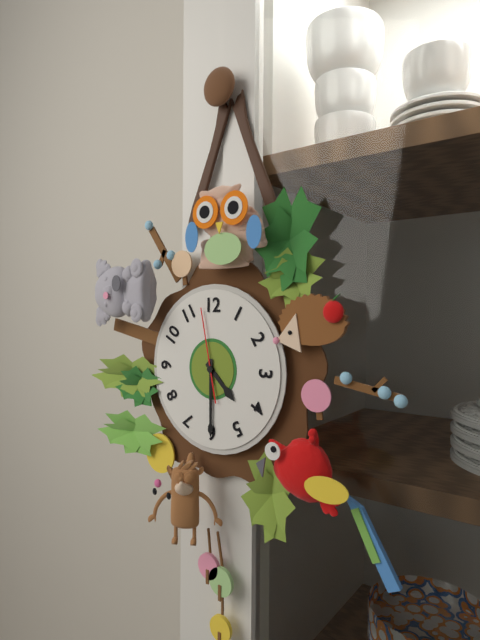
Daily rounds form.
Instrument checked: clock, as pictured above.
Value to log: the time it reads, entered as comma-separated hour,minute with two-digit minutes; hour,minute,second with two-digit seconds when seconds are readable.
4,30,58
